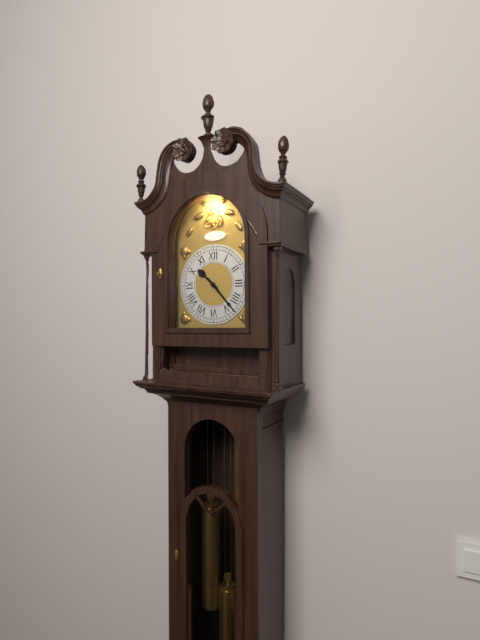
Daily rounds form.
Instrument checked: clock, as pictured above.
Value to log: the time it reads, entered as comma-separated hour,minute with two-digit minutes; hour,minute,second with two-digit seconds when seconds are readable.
10,23
